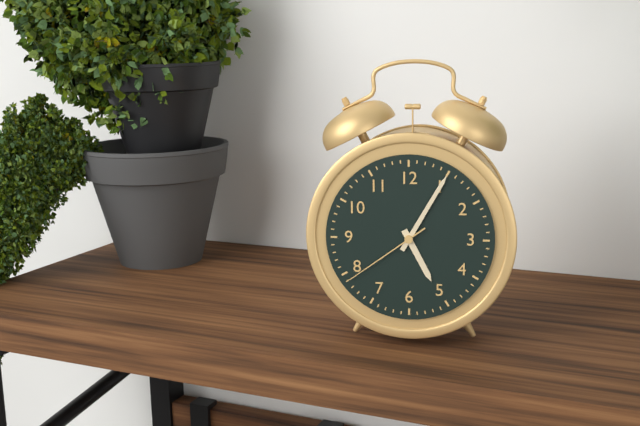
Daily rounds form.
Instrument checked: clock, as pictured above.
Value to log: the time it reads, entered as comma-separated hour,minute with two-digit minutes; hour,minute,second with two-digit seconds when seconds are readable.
5,05,39
